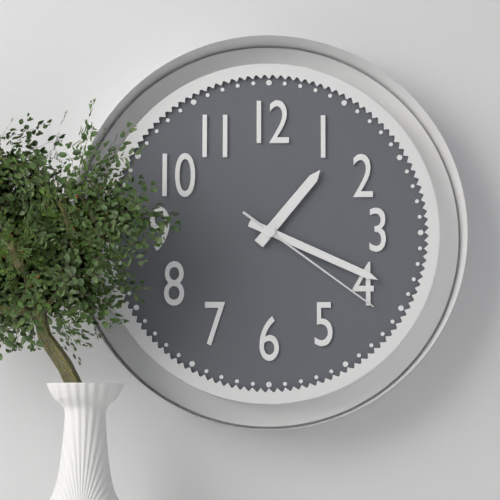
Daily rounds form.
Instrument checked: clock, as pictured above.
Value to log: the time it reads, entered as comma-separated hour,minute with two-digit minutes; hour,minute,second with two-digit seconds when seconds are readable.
1,19,21
